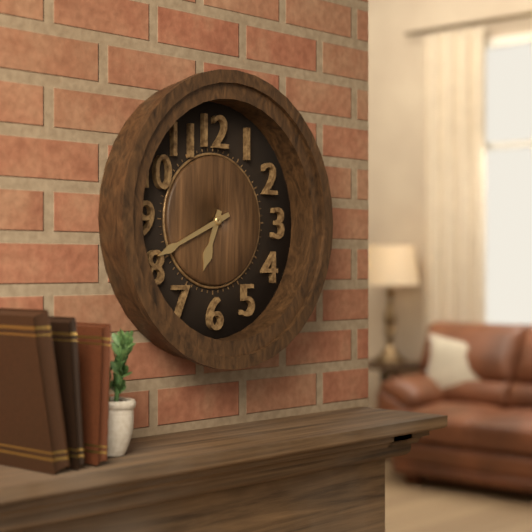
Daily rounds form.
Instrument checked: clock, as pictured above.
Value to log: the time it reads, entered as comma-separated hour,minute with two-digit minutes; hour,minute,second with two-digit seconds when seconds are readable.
6,41
